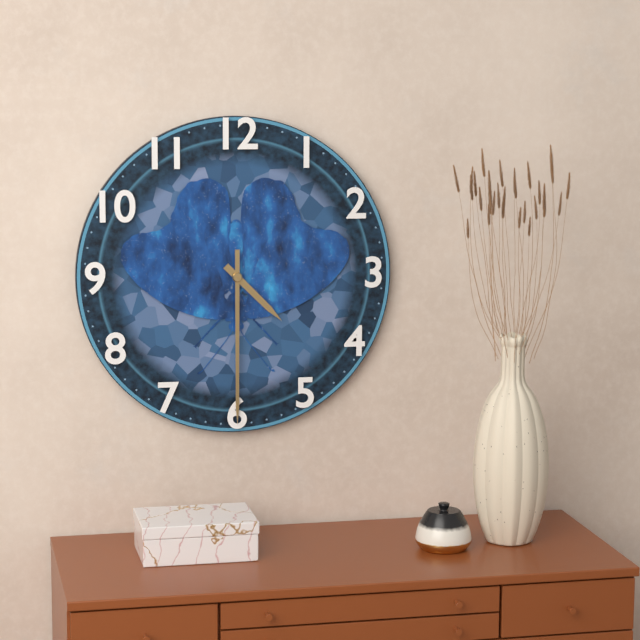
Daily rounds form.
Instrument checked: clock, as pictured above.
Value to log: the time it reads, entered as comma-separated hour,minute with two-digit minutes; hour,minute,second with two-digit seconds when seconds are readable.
4,30
